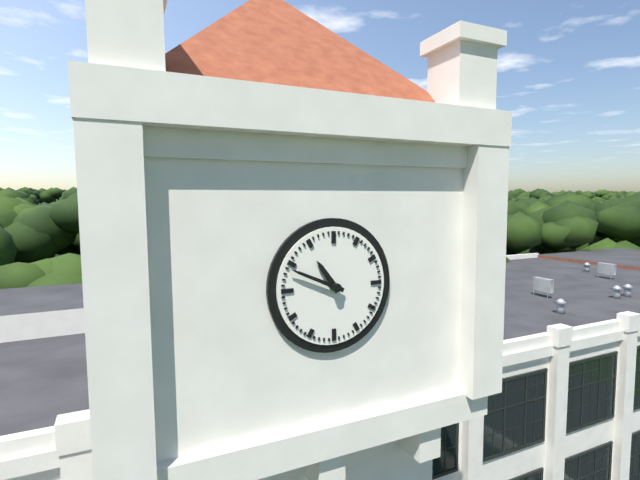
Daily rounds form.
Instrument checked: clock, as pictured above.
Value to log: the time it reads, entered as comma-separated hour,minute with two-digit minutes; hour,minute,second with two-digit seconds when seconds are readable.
10,49
